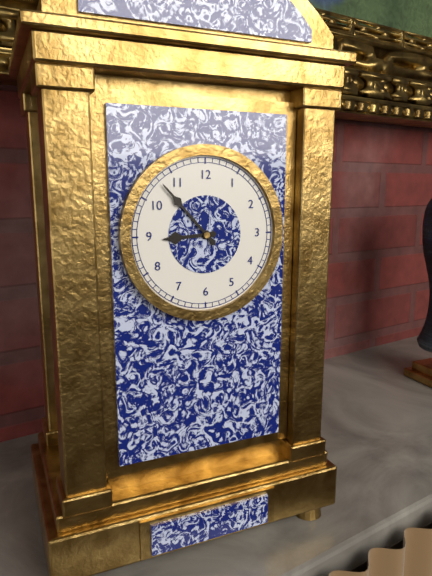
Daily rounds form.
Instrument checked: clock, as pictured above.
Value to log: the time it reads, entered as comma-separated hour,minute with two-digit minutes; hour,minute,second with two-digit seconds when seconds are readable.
8,53
